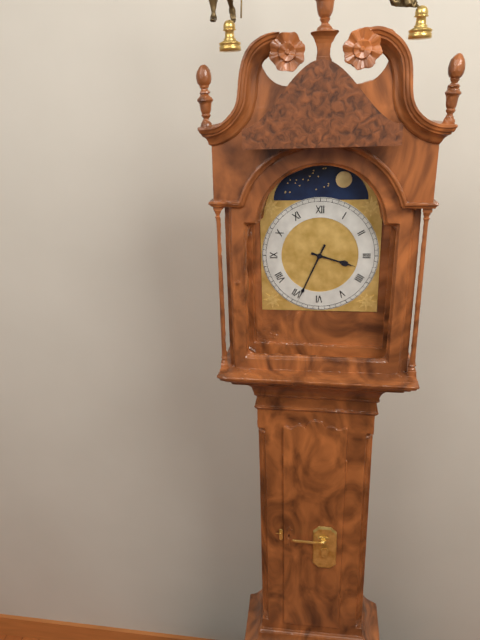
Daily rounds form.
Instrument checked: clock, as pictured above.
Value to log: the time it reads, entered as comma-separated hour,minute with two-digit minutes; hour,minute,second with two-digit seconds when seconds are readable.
3,34
